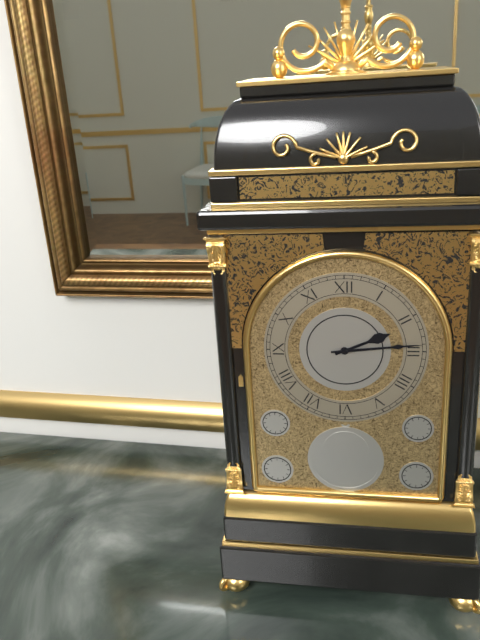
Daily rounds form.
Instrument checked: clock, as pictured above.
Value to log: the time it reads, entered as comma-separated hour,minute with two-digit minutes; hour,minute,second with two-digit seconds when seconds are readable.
2,14
